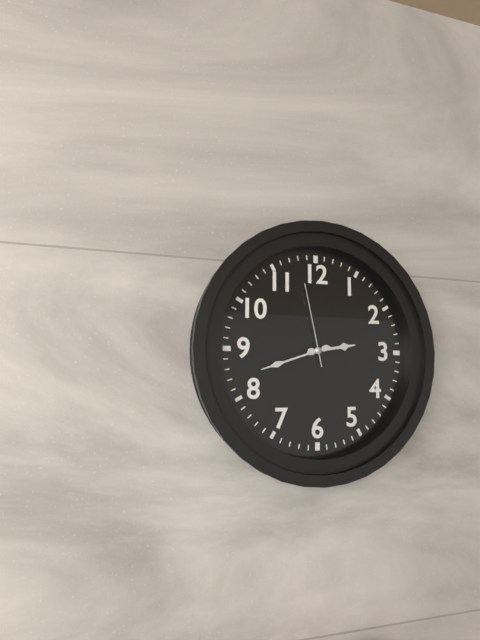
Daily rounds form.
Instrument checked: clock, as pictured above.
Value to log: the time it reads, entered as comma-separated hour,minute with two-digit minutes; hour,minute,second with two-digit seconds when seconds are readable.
2,42,58
